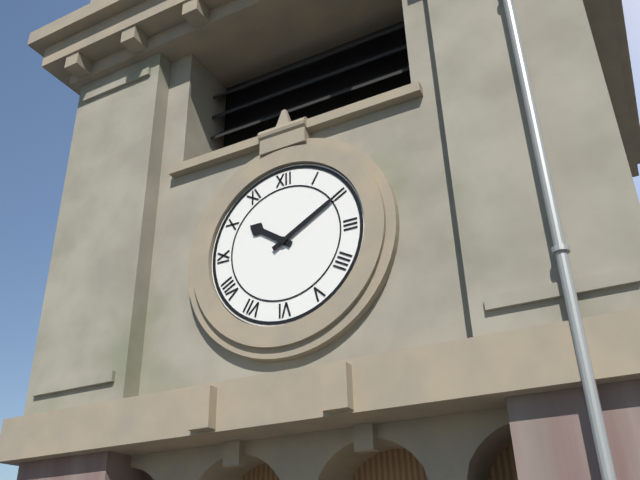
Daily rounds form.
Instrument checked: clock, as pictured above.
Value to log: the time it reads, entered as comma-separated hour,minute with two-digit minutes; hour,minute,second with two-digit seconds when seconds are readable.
10,10
